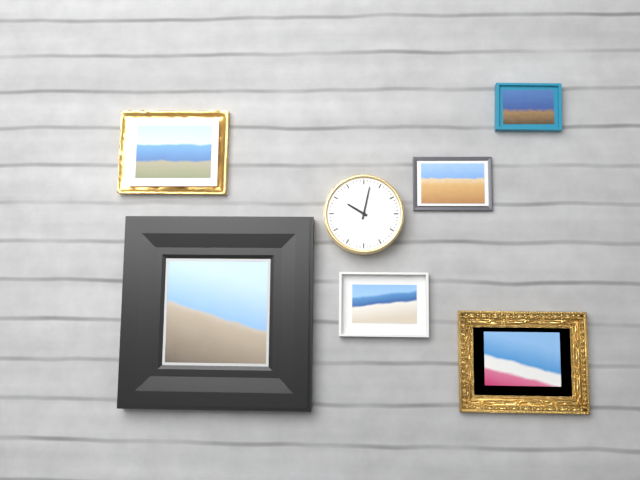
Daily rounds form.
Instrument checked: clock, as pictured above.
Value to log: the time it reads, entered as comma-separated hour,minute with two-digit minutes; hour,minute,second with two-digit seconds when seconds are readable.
10,02
